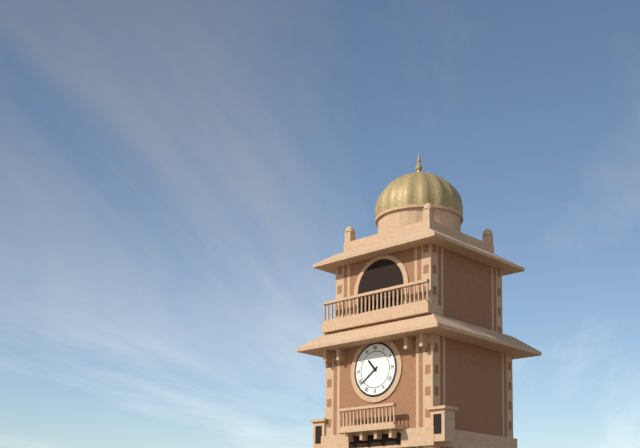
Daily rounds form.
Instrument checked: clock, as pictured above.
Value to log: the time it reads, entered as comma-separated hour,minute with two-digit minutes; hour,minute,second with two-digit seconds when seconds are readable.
10,39
